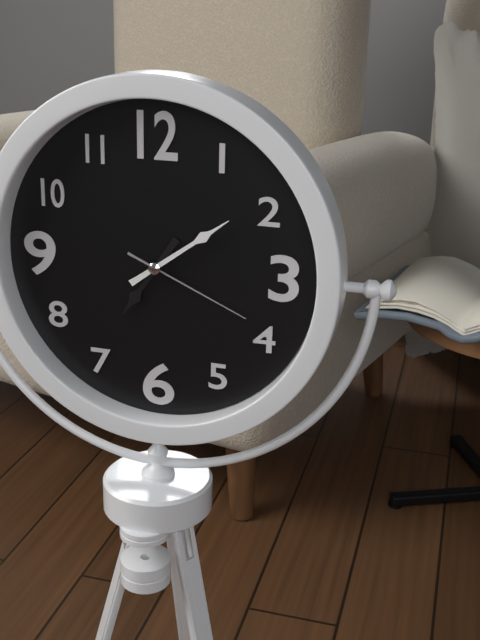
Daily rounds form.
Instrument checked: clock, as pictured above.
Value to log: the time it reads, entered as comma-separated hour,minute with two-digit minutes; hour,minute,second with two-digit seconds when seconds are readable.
7,09,19
